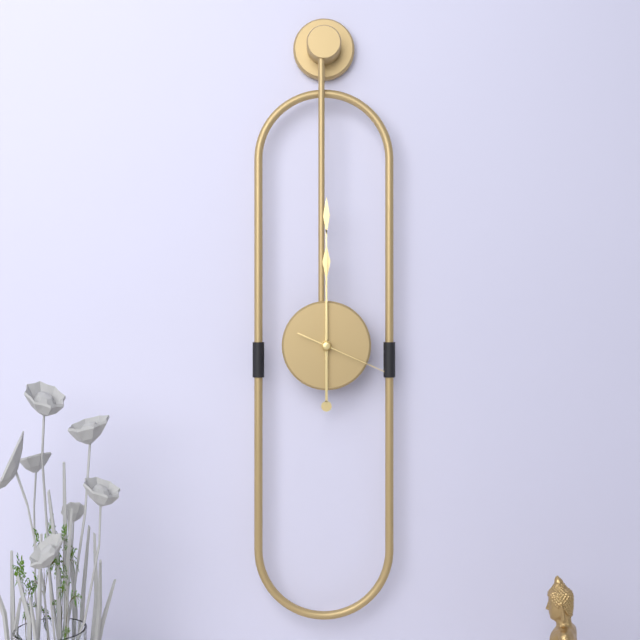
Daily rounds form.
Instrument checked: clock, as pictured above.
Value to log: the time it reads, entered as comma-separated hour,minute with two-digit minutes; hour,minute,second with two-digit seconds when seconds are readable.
12,00,19
